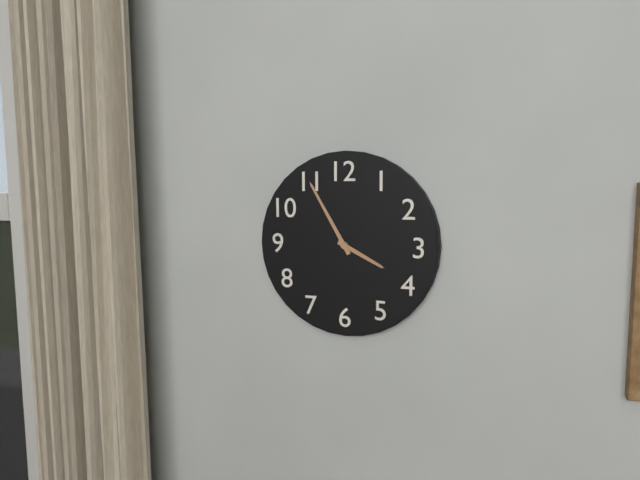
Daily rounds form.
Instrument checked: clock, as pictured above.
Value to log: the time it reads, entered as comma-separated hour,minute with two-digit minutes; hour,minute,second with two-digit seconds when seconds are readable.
3,55
